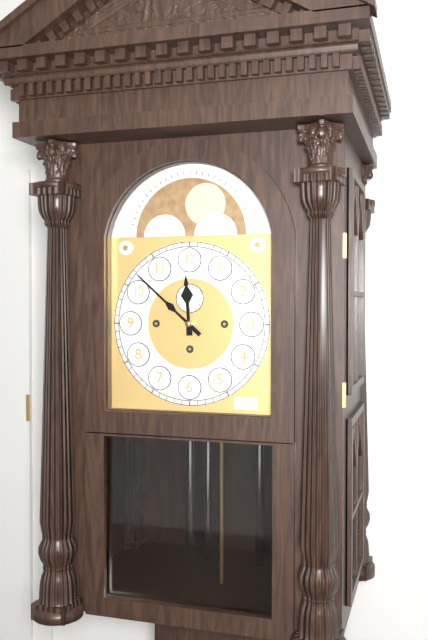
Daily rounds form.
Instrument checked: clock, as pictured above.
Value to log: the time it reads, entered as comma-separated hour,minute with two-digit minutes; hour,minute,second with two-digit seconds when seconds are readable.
11,52
